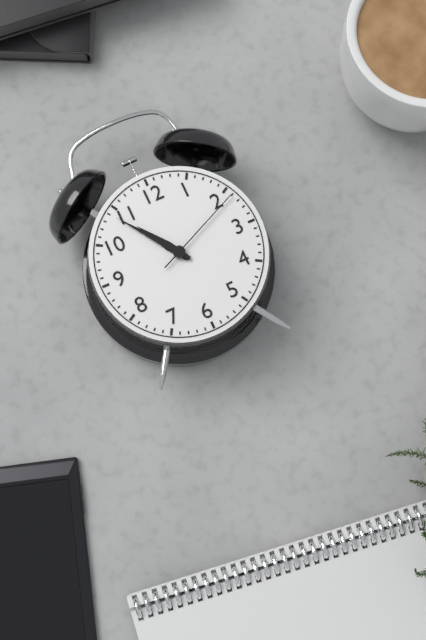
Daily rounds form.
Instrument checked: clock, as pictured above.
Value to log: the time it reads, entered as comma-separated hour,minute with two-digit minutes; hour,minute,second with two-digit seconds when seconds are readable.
10,54,11
